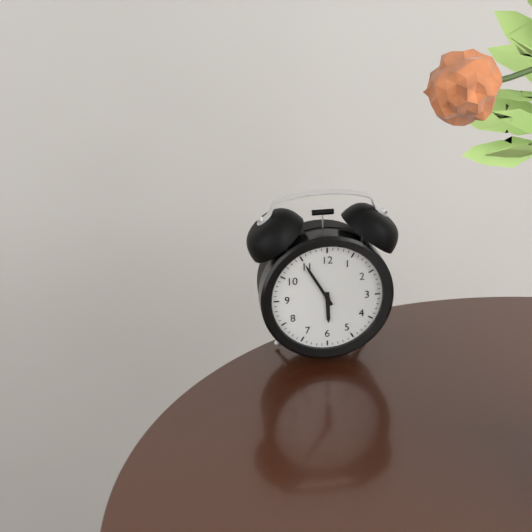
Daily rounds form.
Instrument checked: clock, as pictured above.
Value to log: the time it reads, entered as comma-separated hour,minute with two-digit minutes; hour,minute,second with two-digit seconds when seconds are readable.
5,55
